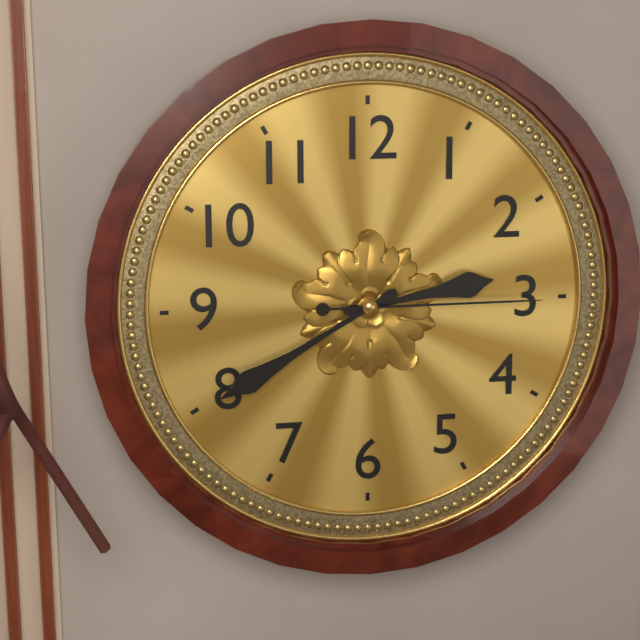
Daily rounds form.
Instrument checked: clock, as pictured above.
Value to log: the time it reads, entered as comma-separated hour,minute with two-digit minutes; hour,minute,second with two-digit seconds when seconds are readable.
2,40,15
